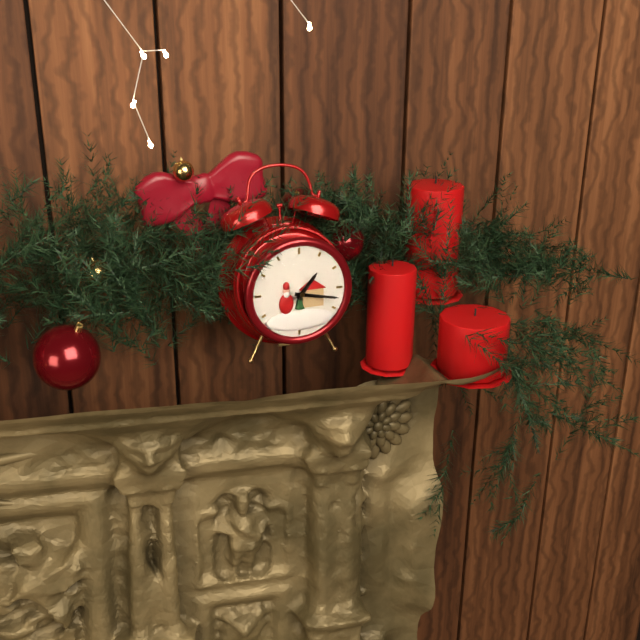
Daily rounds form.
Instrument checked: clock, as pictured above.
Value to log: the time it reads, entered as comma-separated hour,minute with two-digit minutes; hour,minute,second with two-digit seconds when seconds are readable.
1,17
